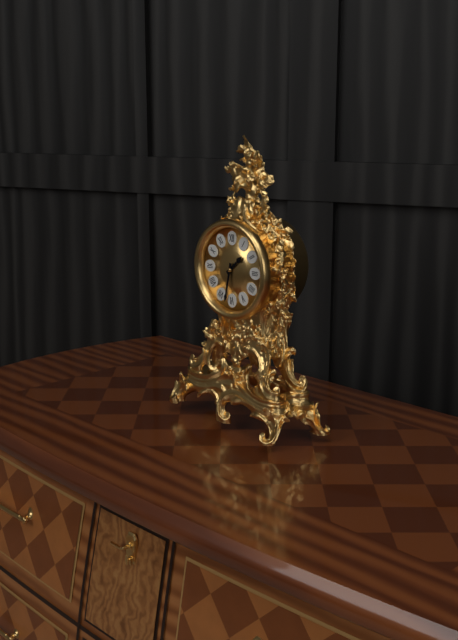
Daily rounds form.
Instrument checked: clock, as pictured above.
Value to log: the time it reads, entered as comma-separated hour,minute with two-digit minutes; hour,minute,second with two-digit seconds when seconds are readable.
1,32
